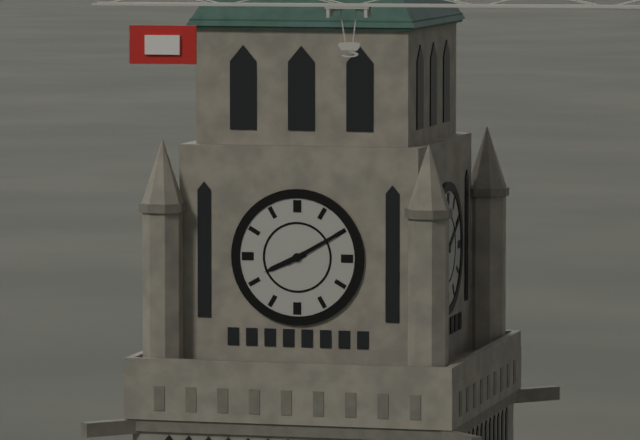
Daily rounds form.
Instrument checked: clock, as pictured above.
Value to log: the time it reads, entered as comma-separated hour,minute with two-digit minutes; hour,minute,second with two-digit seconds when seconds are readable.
8,10
